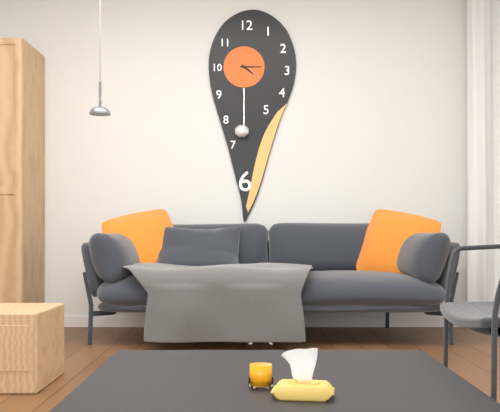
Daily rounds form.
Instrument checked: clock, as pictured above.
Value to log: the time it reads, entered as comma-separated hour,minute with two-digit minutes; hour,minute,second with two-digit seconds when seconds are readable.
4,15
